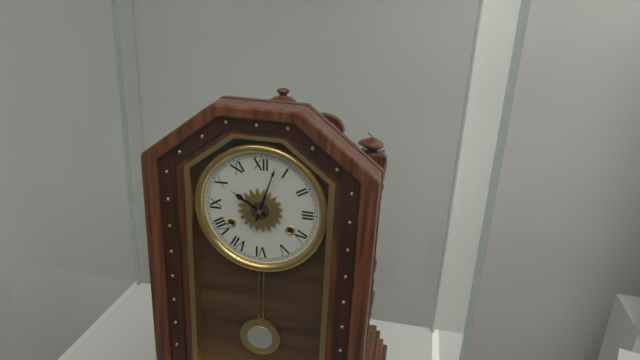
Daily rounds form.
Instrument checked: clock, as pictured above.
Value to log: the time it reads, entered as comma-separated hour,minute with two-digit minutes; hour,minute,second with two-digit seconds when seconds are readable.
10,03
